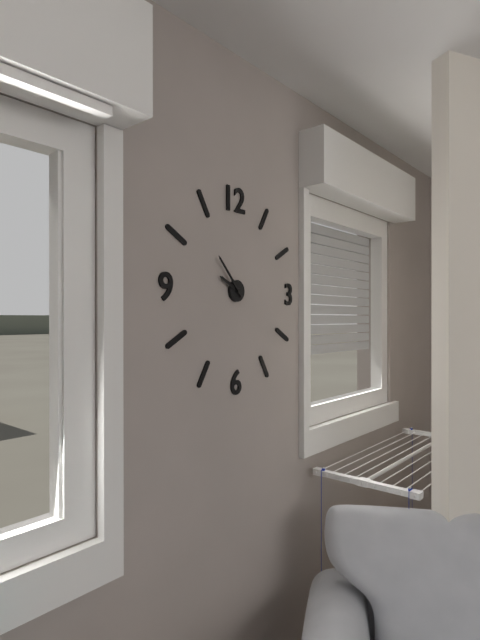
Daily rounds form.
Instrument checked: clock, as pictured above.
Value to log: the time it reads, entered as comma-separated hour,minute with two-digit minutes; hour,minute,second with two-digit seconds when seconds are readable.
9,53
